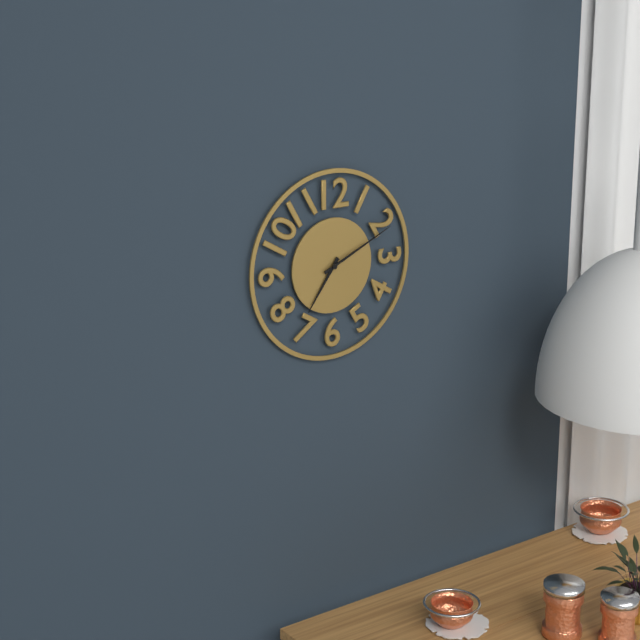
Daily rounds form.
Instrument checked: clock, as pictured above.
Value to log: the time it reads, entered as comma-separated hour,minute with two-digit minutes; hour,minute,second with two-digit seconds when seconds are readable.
7,11
